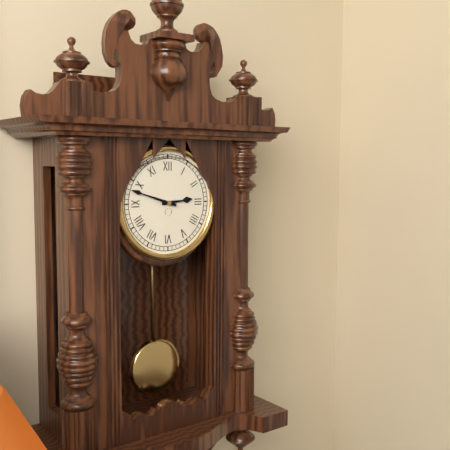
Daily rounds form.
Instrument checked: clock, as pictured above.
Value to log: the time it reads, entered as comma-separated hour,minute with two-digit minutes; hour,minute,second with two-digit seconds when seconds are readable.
2,48
